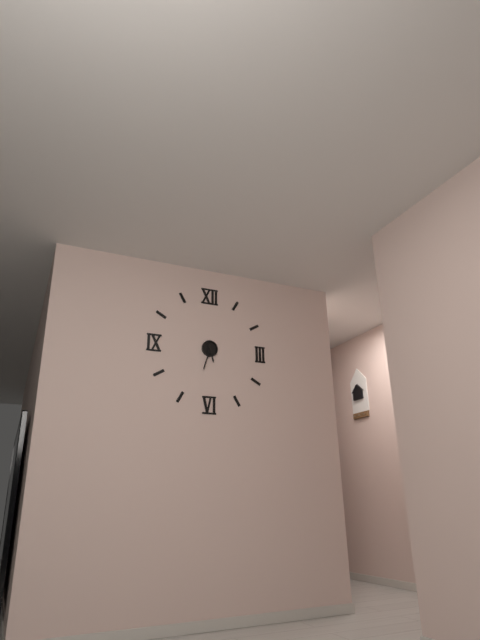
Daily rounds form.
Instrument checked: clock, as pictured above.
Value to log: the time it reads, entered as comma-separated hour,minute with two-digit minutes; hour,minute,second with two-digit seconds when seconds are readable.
5,33
